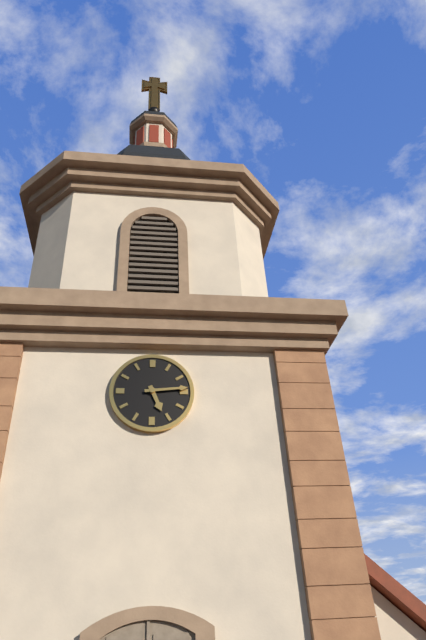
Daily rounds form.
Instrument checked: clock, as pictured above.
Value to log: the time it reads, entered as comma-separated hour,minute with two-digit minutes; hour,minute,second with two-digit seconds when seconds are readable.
5,14
